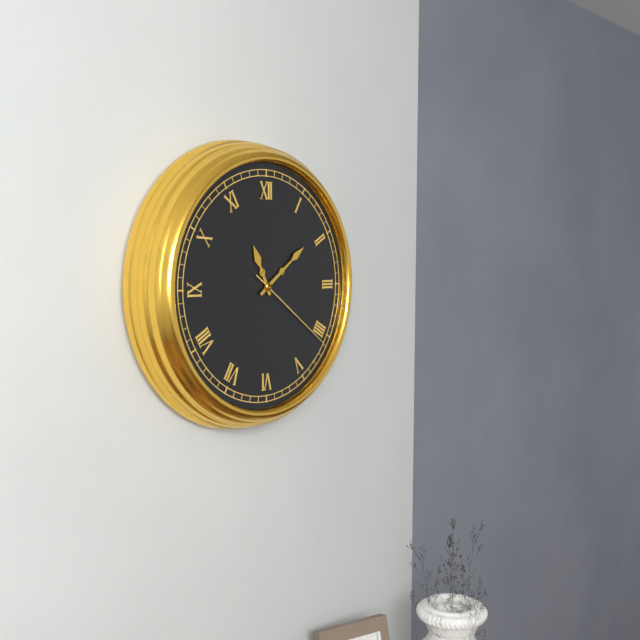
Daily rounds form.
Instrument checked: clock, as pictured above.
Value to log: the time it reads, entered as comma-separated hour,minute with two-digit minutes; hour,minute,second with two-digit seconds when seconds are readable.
11,09,21
